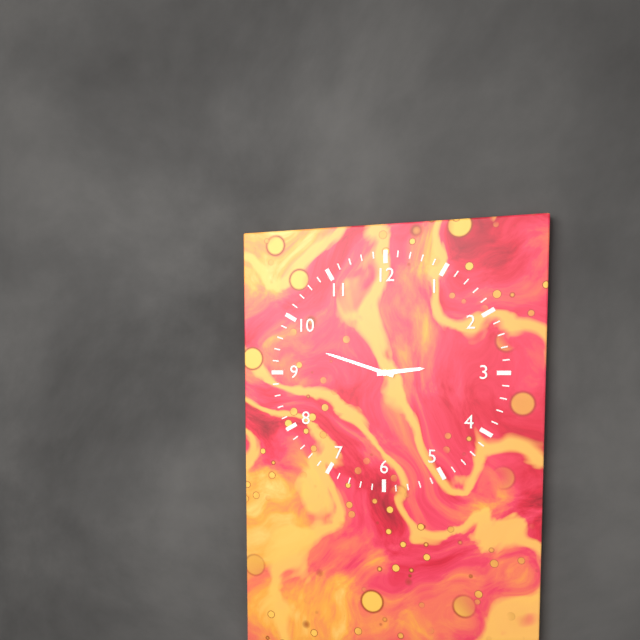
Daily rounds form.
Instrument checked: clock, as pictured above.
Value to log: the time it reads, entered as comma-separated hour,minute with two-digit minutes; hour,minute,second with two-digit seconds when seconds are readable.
2,48
